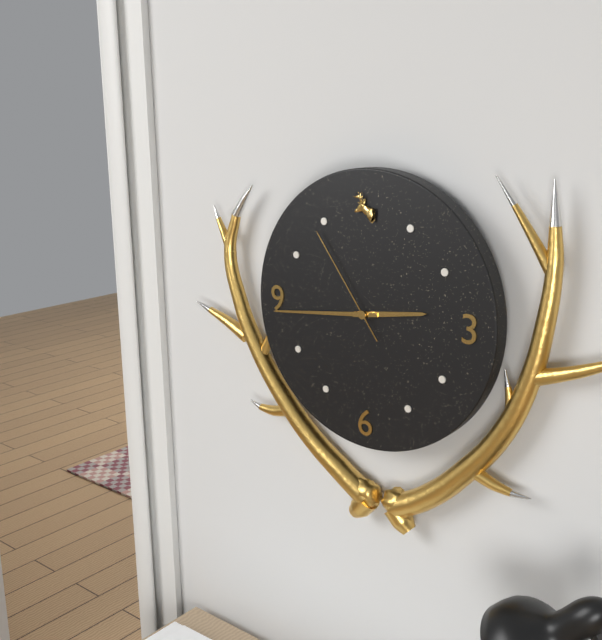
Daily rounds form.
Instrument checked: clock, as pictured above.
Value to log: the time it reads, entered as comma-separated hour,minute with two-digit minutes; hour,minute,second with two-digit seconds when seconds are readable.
2,44,54
